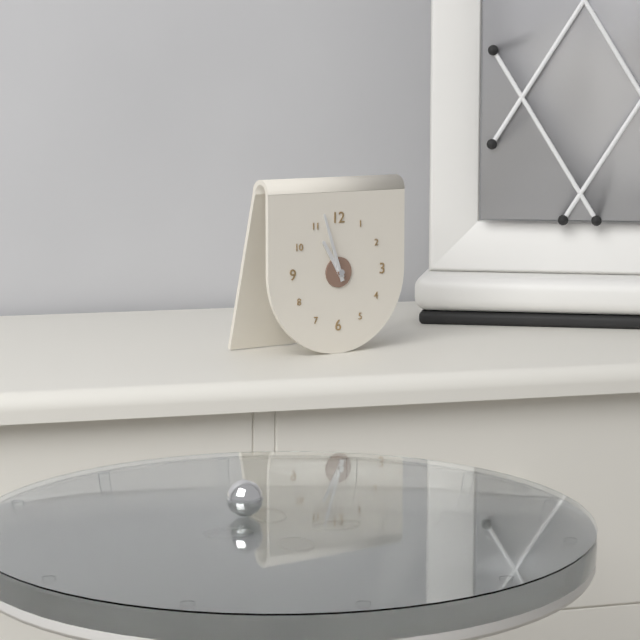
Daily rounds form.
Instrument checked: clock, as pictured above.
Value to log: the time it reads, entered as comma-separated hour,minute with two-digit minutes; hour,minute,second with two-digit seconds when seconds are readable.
10,57
